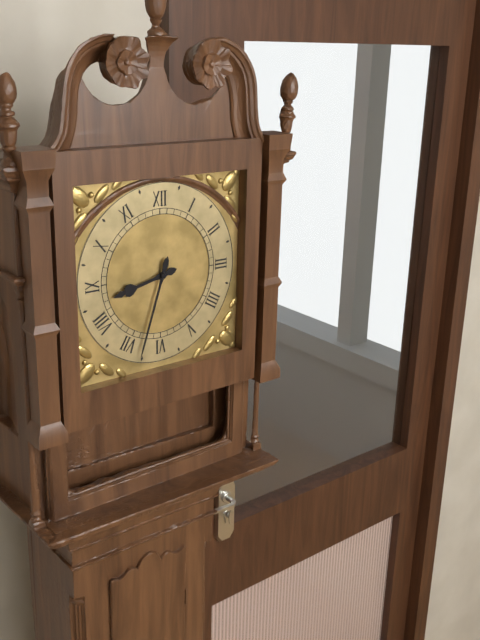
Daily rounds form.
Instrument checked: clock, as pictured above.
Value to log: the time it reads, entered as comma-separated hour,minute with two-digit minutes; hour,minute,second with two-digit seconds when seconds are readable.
8,33
